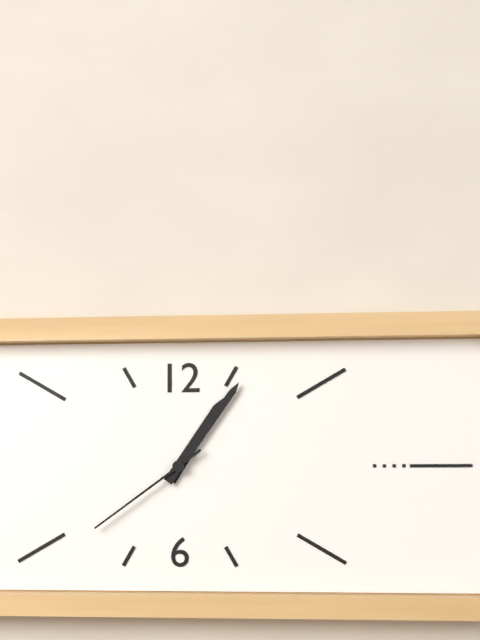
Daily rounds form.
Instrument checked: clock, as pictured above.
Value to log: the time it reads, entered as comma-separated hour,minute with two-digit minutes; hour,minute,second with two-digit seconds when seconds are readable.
1,06,39
